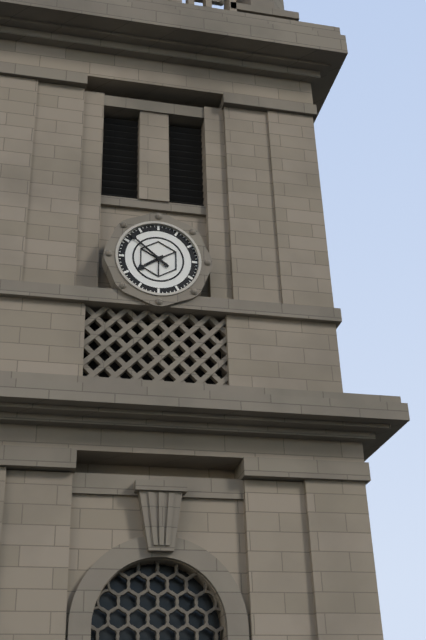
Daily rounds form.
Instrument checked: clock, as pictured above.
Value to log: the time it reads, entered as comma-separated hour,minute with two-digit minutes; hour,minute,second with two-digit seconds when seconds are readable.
7,52
